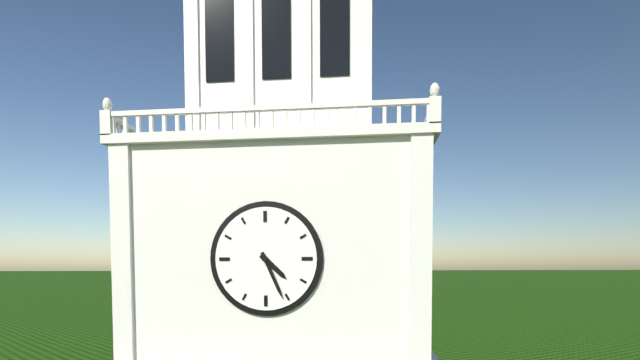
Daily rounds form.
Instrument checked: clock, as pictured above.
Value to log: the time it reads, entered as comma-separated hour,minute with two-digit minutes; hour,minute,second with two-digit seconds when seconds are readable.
4,26
